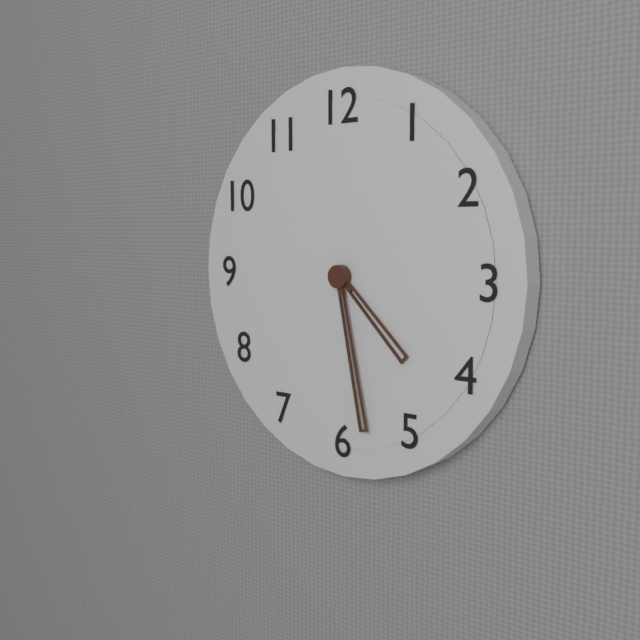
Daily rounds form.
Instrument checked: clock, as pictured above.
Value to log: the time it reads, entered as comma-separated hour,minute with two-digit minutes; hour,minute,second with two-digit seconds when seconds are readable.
4,28
